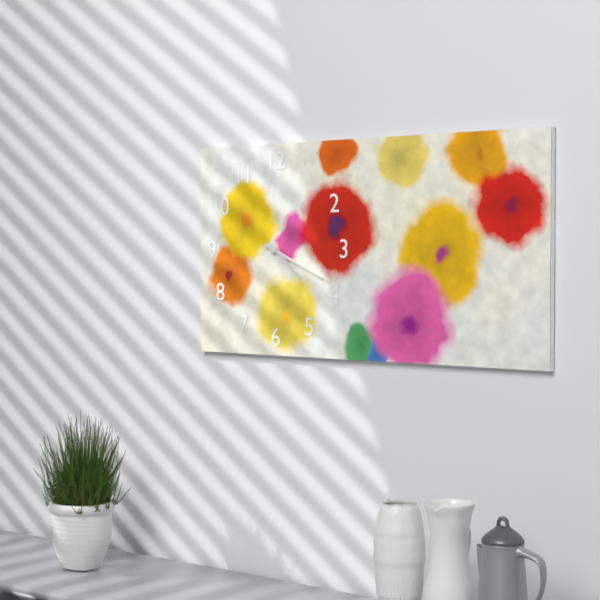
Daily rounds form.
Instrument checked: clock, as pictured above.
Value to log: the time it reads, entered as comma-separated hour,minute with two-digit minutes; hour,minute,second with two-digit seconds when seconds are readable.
4,19
